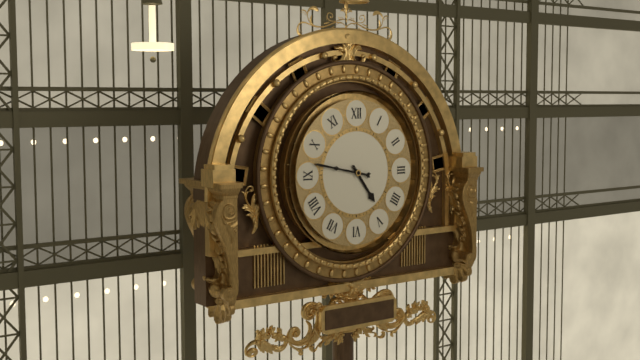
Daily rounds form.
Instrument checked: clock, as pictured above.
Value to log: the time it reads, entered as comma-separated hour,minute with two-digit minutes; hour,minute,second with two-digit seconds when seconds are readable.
4,47
